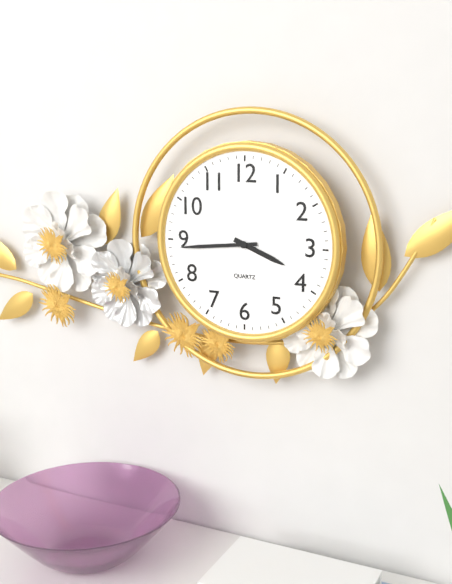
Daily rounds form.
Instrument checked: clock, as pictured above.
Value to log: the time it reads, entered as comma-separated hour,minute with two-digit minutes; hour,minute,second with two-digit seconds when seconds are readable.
3,44
